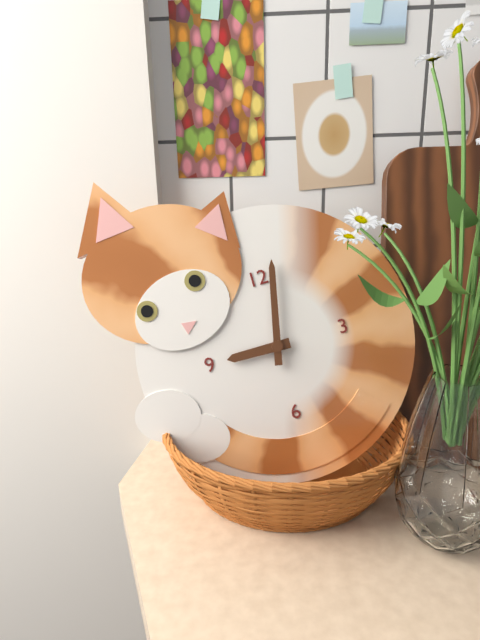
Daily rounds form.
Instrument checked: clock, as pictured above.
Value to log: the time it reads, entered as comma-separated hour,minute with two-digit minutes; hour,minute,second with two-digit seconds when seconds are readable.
9,02
